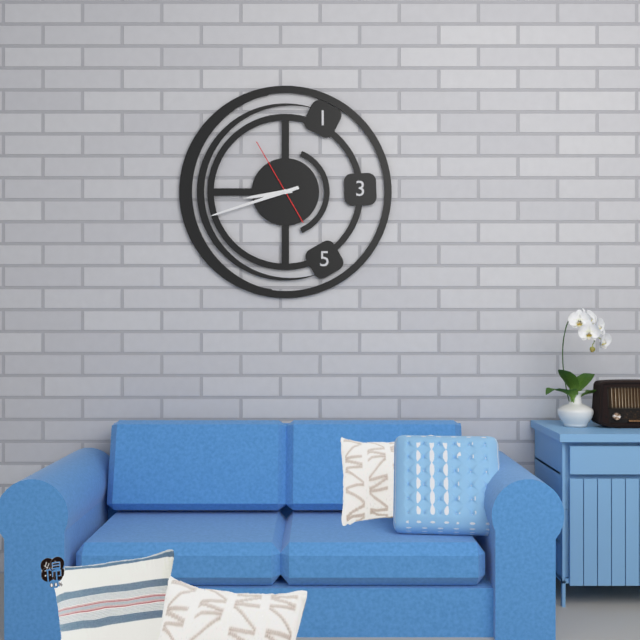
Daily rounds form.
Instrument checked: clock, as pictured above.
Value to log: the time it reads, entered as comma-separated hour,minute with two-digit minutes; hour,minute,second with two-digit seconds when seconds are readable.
8,42,55
